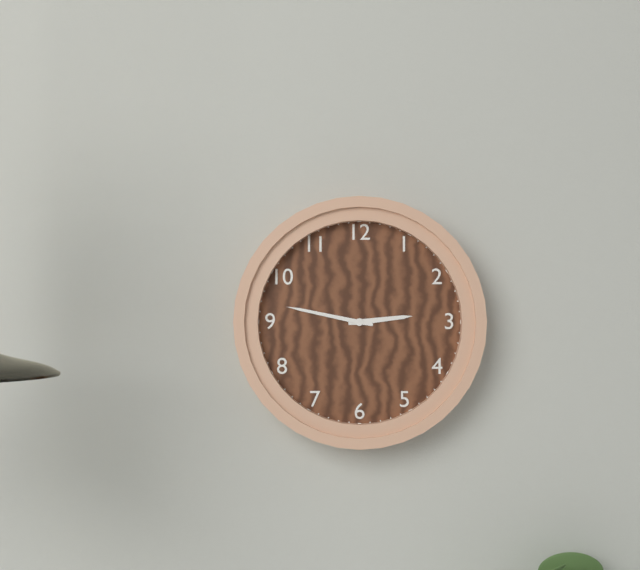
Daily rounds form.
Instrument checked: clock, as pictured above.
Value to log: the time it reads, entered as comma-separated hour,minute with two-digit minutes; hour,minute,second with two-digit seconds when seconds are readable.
2,47
